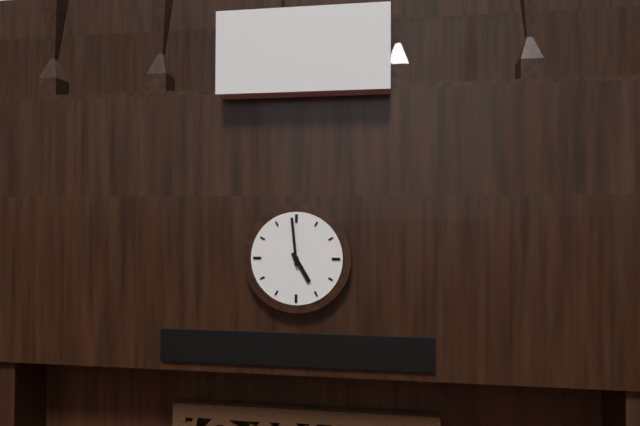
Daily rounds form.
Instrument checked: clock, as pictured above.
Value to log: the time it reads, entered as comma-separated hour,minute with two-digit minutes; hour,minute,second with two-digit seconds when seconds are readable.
4,59
